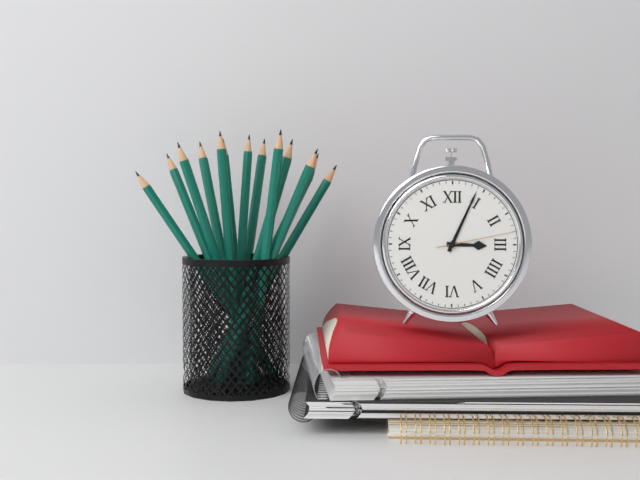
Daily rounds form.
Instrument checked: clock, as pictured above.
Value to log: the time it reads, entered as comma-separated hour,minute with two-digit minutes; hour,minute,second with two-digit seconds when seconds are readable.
3,04,13
